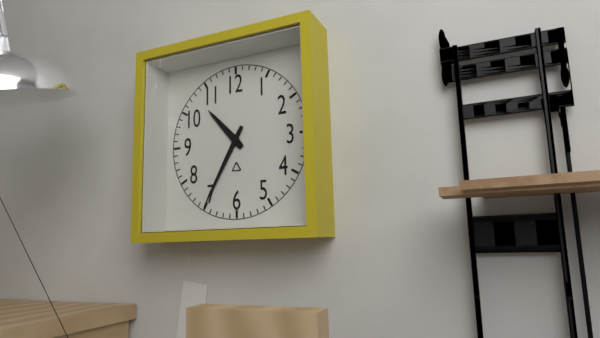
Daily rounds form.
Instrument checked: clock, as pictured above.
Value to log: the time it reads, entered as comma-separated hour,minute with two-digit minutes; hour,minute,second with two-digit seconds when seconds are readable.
10,35
